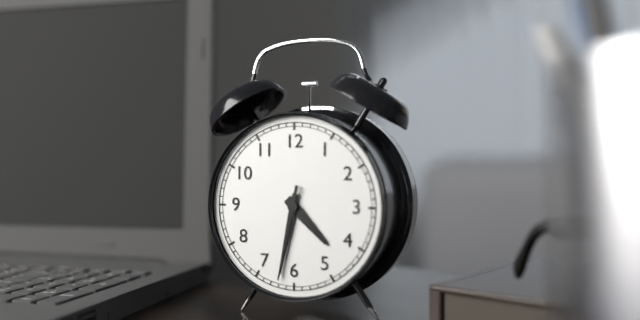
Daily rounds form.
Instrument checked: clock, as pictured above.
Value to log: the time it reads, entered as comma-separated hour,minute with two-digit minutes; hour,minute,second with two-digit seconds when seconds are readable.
4,32,32
